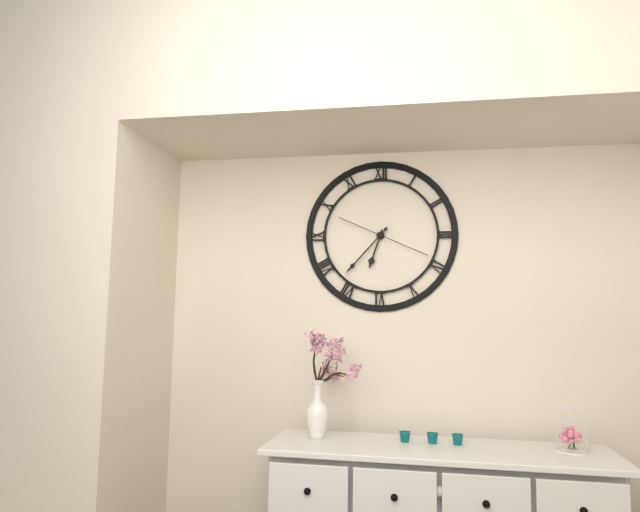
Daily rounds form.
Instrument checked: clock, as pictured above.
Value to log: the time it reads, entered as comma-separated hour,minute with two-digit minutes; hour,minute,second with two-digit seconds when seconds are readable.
6,37,19
